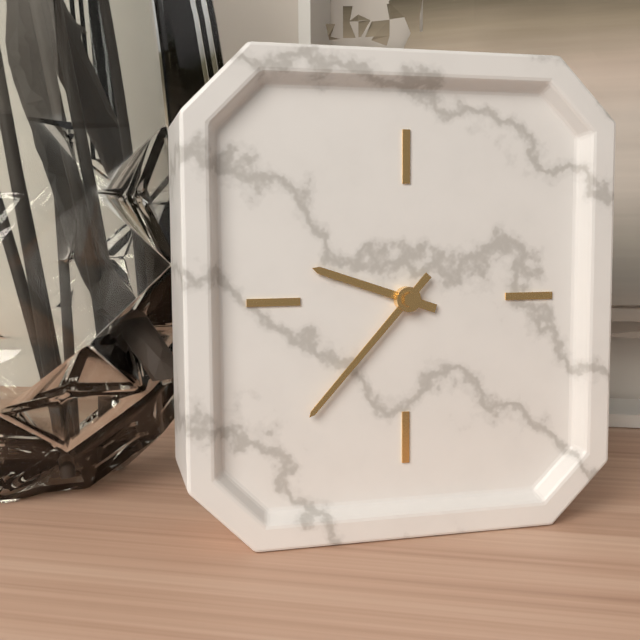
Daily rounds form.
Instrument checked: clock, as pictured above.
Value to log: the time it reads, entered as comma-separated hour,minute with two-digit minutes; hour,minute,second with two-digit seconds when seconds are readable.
9,37
